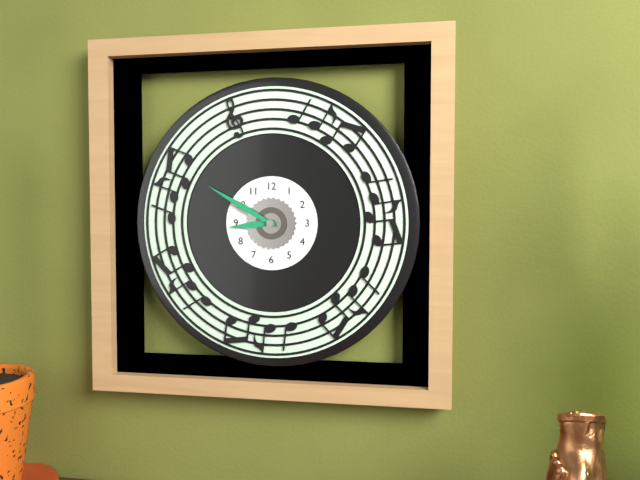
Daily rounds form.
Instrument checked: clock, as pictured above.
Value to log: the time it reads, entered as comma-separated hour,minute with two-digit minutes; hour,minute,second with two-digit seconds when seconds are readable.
8,50
